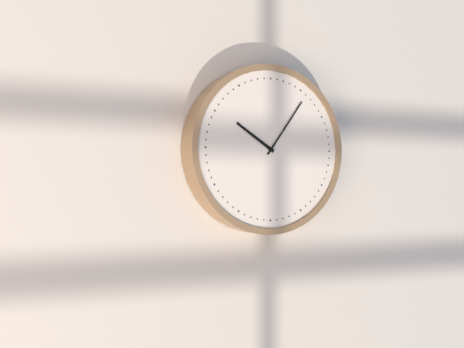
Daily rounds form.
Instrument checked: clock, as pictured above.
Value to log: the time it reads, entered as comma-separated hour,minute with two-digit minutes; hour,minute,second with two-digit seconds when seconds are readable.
10,06
